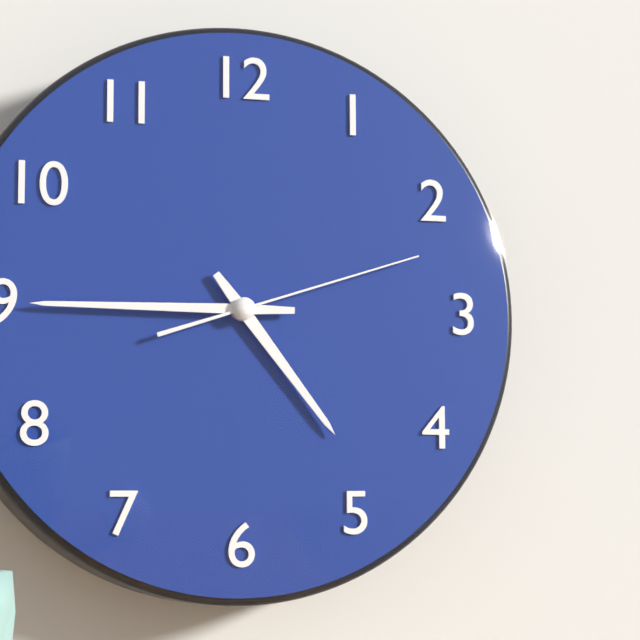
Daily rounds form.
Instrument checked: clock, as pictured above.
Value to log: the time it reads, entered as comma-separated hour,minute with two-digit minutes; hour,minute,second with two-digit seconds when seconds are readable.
4,45,12
